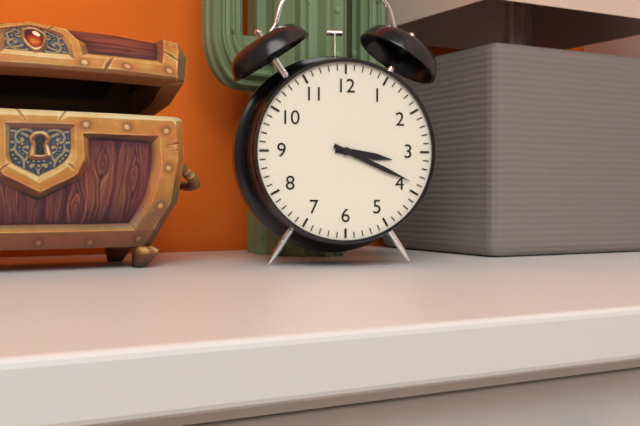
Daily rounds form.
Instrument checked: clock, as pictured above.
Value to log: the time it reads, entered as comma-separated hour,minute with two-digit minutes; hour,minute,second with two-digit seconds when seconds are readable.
3,19
